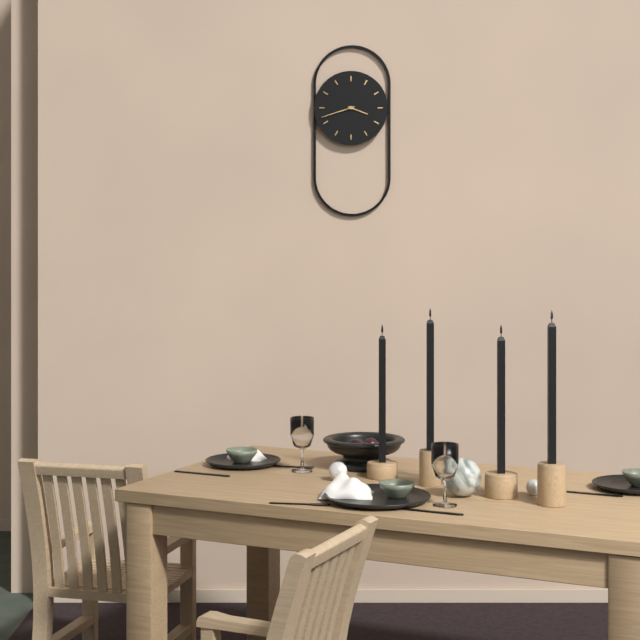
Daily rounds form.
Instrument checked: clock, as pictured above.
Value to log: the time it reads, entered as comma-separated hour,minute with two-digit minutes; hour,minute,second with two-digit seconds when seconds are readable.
3,42
